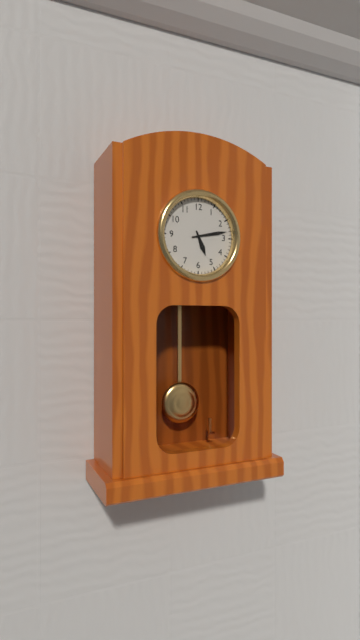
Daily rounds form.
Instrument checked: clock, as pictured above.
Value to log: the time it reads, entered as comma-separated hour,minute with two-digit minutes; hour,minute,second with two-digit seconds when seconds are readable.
5,13
